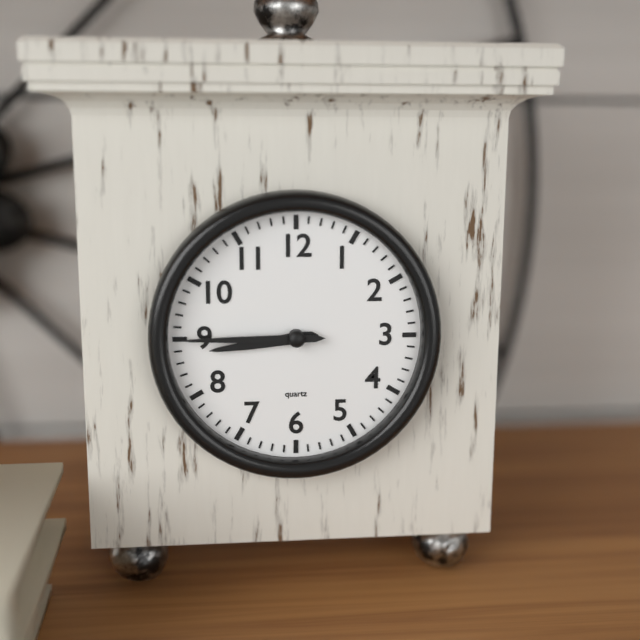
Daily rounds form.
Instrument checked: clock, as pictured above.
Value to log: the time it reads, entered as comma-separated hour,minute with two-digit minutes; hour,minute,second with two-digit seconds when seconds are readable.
8,45
